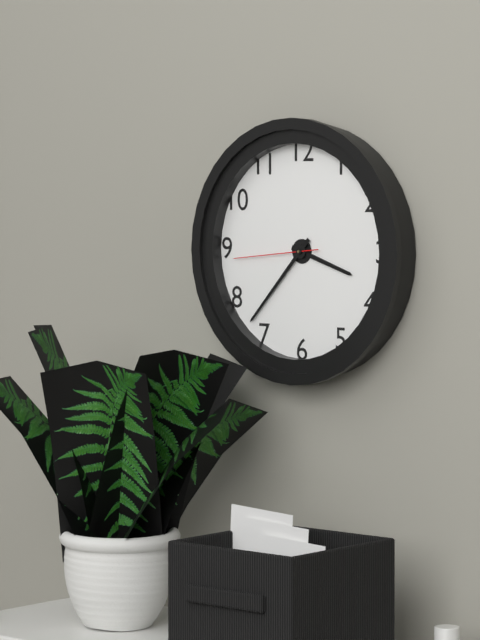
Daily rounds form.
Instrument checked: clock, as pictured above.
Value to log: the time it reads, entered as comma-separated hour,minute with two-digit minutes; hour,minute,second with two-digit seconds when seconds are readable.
3,37,44
